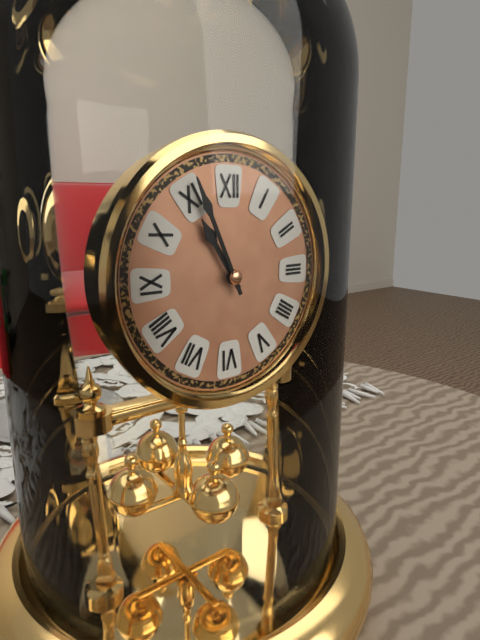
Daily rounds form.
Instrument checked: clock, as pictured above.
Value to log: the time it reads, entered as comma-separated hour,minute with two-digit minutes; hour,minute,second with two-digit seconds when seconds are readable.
10,56
